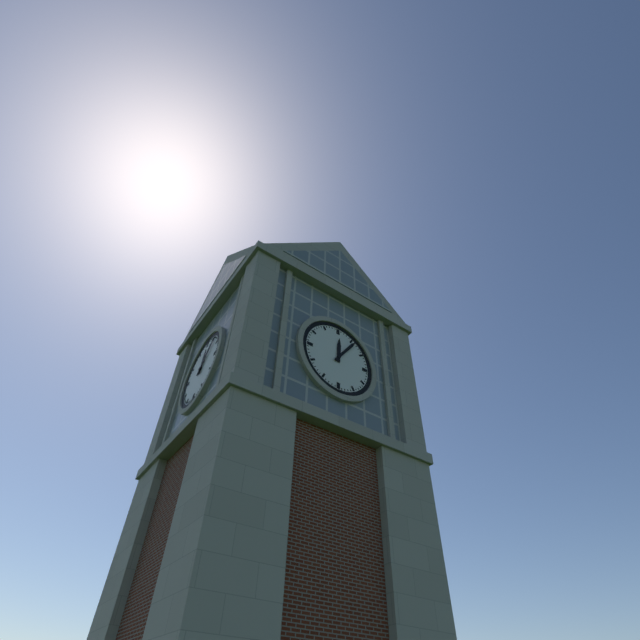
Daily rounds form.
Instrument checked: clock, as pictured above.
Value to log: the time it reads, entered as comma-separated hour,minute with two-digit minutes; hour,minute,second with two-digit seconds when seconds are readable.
12,06
